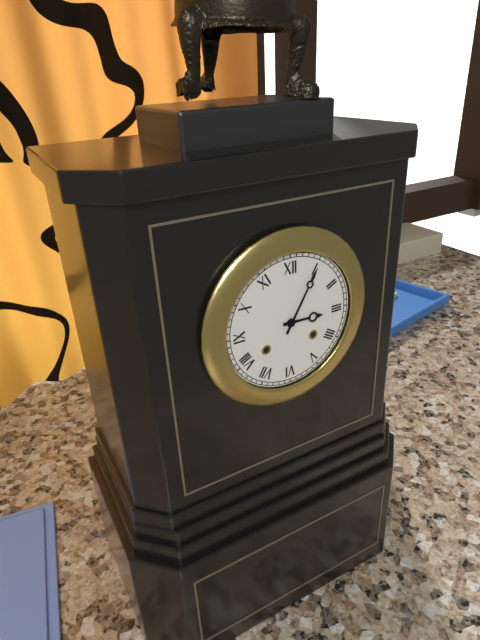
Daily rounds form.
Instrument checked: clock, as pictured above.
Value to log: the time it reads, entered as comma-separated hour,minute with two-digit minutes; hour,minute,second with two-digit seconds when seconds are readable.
3,05
